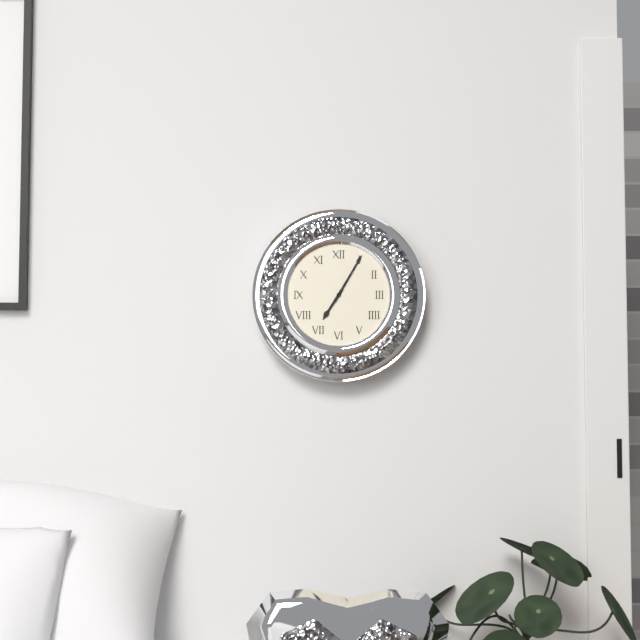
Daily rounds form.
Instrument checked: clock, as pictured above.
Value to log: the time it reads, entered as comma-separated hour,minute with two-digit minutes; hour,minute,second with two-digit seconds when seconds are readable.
7,05
